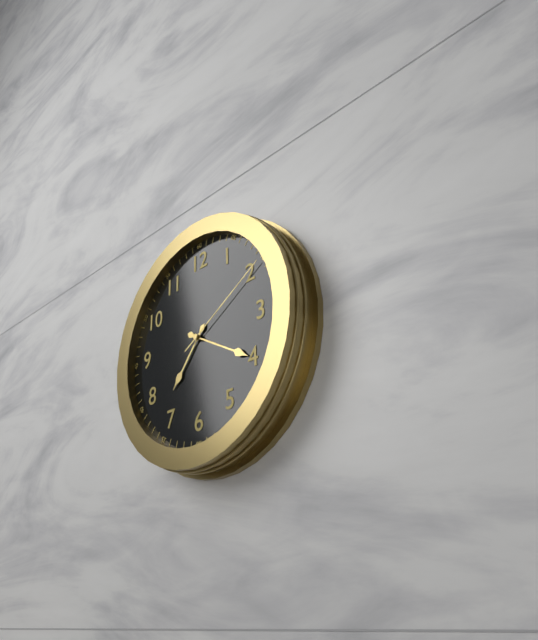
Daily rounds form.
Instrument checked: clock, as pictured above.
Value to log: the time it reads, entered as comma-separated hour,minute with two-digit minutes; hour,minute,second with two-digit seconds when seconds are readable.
7,20,10
